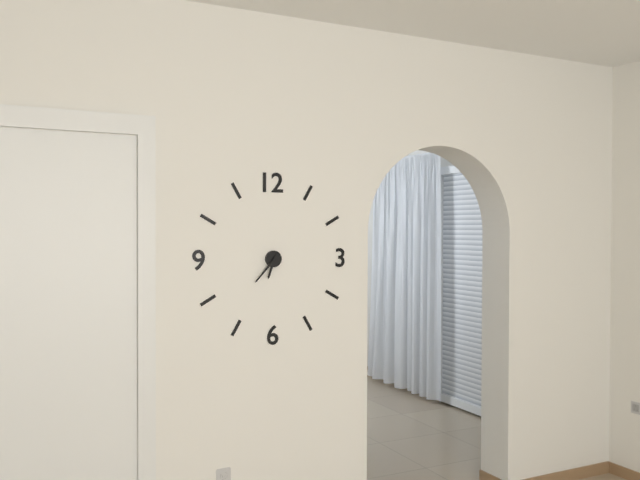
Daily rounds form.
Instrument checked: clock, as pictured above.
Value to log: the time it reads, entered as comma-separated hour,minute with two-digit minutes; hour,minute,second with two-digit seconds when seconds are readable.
6,37
